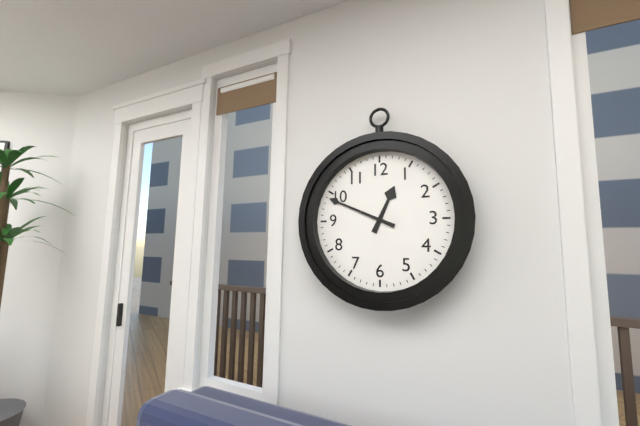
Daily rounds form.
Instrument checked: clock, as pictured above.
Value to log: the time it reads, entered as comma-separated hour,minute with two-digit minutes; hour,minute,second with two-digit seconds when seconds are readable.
12,49
